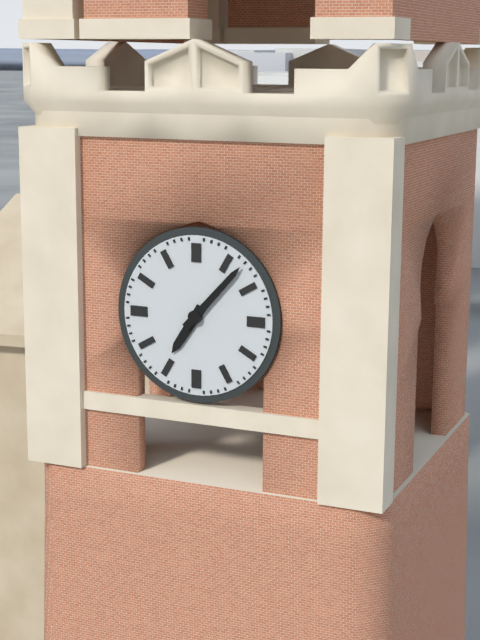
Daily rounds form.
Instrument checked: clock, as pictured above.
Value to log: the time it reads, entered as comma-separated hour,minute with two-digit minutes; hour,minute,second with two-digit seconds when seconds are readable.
7,07
